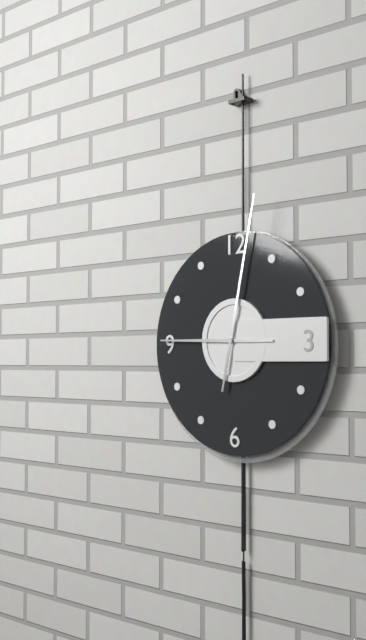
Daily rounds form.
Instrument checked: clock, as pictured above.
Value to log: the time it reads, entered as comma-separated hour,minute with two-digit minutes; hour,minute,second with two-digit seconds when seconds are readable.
9,02
